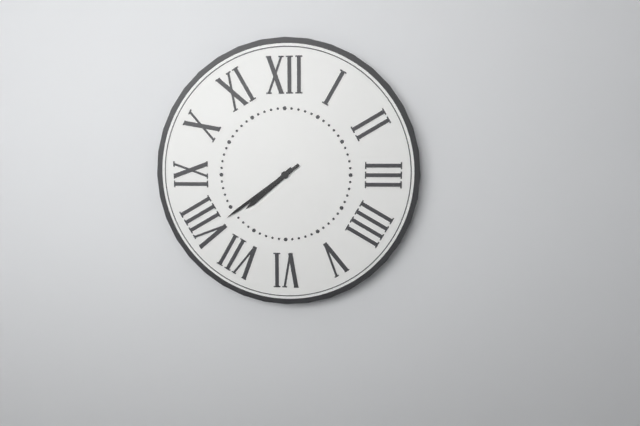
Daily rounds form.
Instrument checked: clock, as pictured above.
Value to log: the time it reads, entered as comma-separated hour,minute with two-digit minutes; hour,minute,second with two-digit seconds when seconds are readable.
7,39
